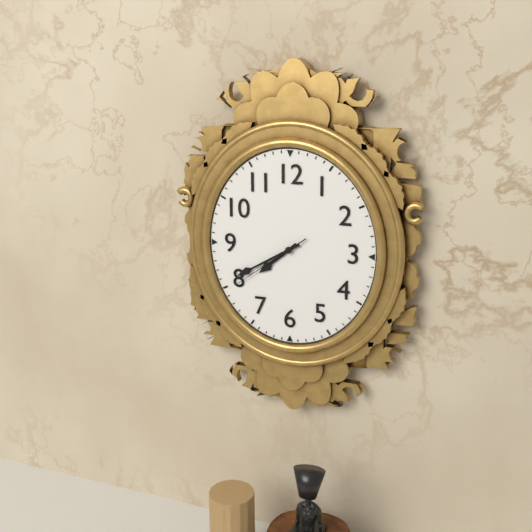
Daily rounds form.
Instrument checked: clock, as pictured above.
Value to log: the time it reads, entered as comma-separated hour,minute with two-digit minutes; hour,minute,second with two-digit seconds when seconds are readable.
7,40,39
